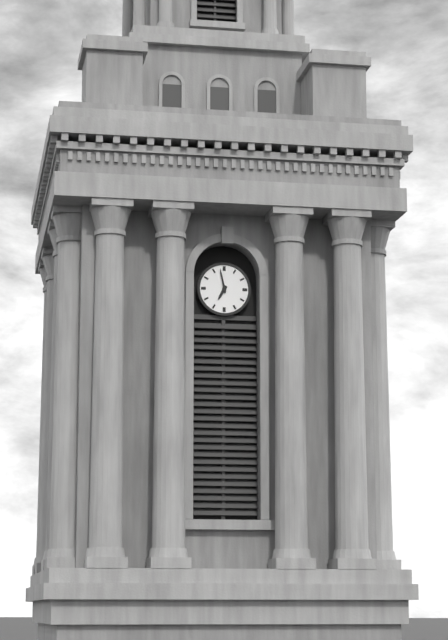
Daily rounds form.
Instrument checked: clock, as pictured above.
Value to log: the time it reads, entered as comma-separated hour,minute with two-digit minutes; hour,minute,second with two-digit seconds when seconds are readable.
6,58
